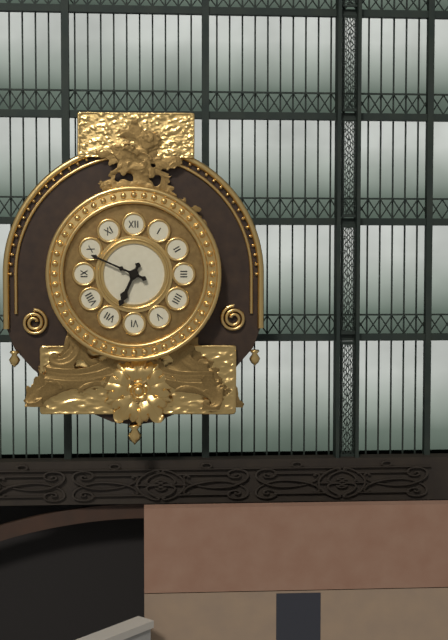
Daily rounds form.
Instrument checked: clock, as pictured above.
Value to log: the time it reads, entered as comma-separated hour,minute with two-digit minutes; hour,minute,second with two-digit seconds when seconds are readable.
6,49
